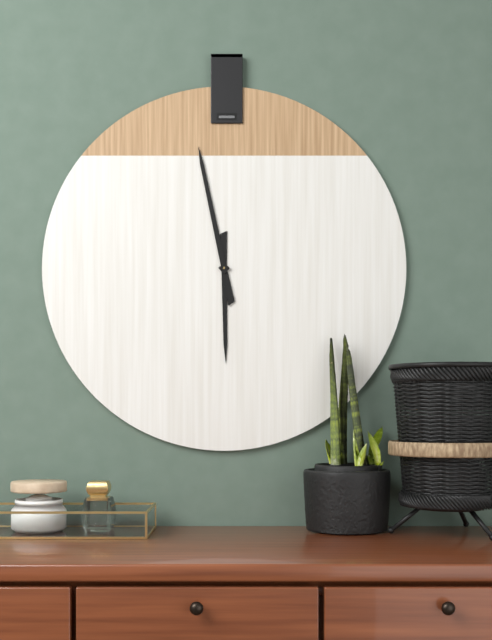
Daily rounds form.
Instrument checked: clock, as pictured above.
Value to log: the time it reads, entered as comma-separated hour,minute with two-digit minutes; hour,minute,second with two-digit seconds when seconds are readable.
5,58
